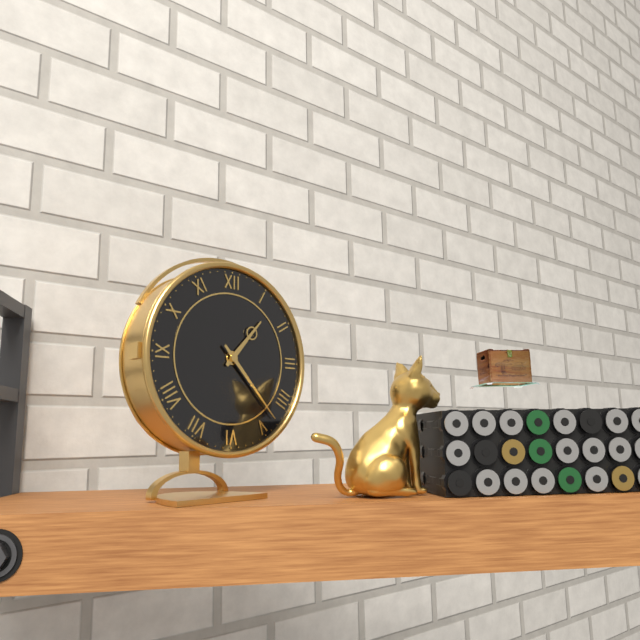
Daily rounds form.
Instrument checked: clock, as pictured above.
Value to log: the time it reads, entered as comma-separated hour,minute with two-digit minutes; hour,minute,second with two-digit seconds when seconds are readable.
1,23
